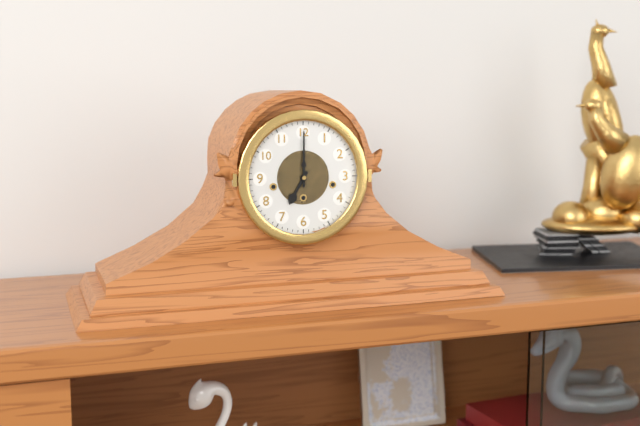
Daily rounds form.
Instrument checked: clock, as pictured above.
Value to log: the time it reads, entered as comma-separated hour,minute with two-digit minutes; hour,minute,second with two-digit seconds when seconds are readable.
7,00
